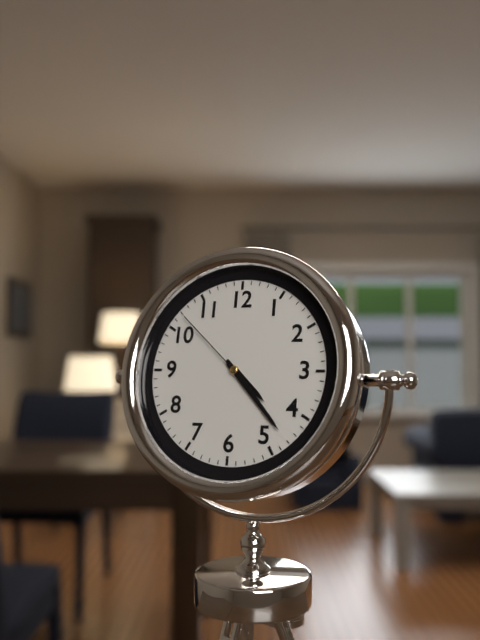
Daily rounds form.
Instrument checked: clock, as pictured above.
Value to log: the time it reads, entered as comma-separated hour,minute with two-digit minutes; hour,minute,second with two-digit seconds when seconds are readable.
4,23,52
